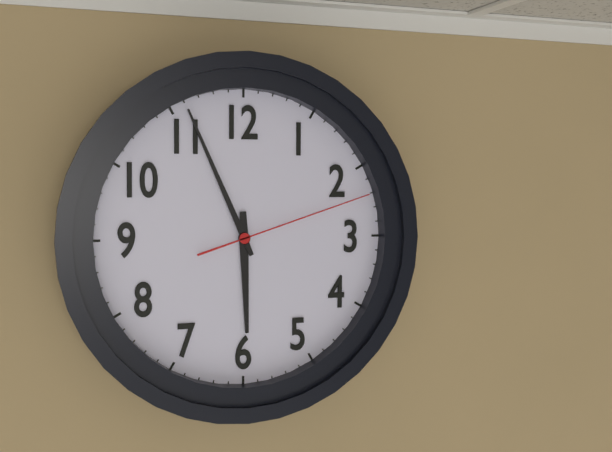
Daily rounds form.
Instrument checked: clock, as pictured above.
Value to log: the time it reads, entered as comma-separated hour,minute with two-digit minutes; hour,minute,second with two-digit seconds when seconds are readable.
5,56,12
